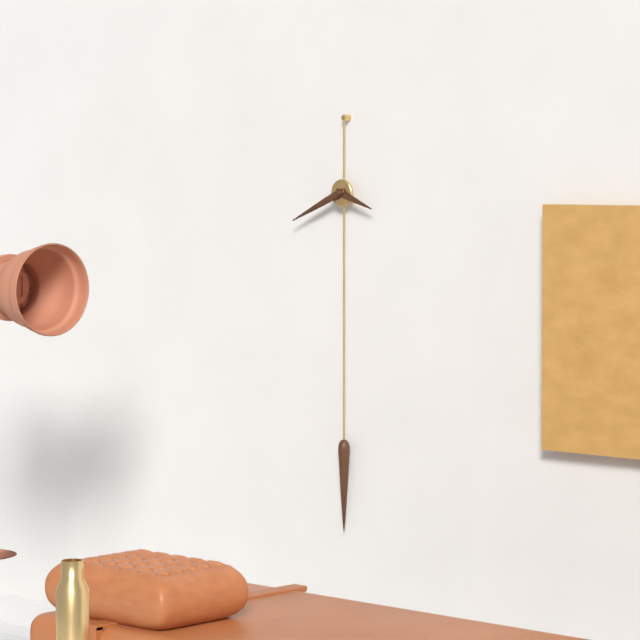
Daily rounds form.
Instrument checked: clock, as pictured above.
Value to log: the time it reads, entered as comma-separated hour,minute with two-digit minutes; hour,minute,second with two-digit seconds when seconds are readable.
3,41
